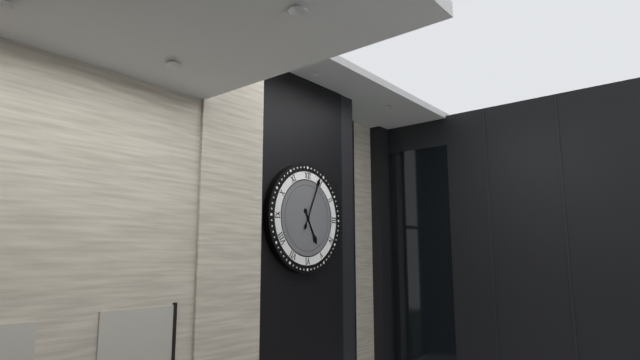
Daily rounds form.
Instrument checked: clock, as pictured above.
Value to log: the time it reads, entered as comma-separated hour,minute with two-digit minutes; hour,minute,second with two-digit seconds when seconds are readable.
5,04
